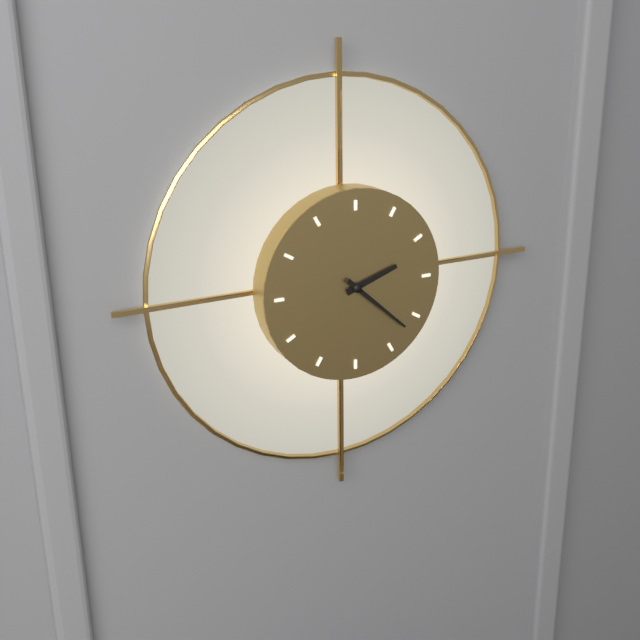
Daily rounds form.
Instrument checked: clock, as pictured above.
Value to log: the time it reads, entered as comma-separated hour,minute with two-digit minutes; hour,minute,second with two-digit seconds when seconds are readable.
2,22
